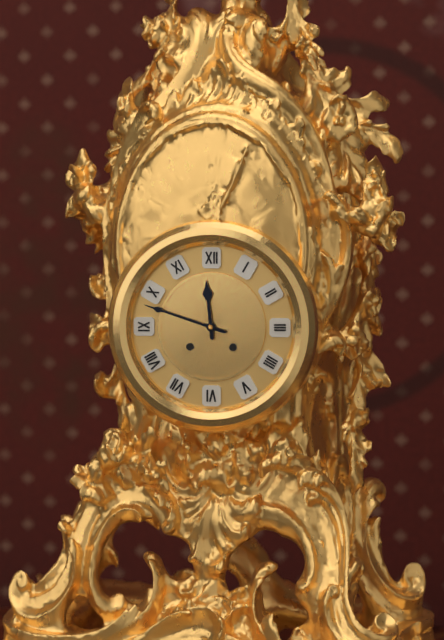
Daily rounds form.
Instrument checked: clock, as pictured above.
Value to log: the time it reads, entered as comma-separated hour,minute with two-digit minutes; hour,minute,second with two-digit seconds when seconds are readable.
11,48
